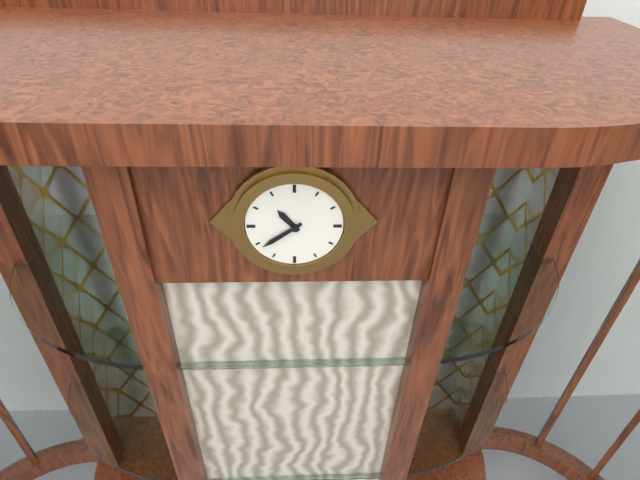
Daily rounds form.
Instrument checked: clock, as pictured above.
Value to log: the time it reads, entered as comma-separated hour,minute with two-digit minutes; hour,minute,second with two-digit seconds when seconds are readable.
10,39
